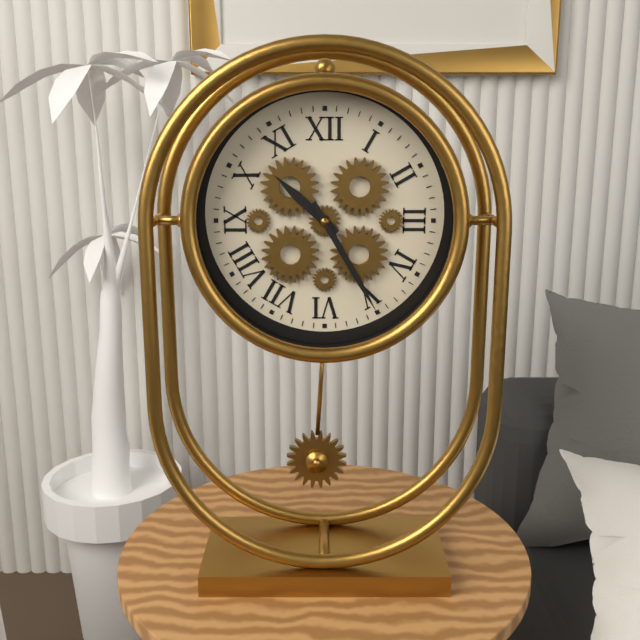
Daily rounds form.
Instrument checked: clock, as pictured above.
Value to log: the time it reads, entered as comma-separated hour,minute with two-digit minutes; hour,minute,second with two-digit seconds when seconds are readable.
10,25
